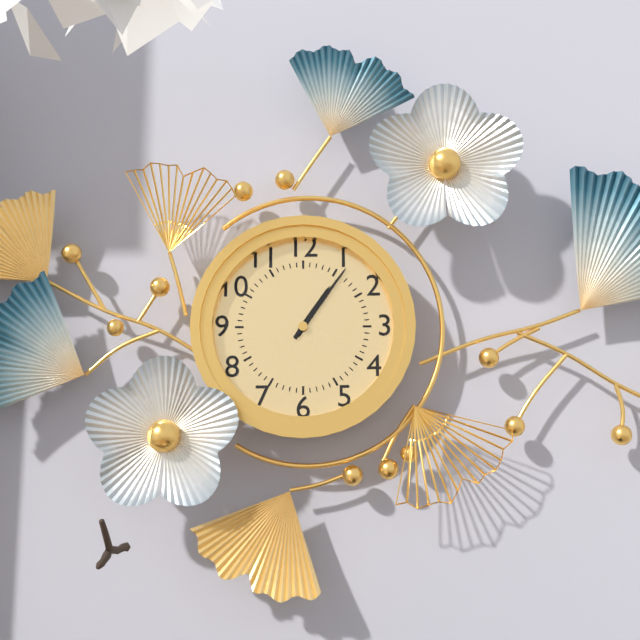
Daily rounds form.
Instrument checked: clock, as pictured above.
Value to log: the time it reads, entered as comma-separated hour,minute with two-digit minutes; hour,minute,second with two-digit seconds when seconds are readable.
1,06
